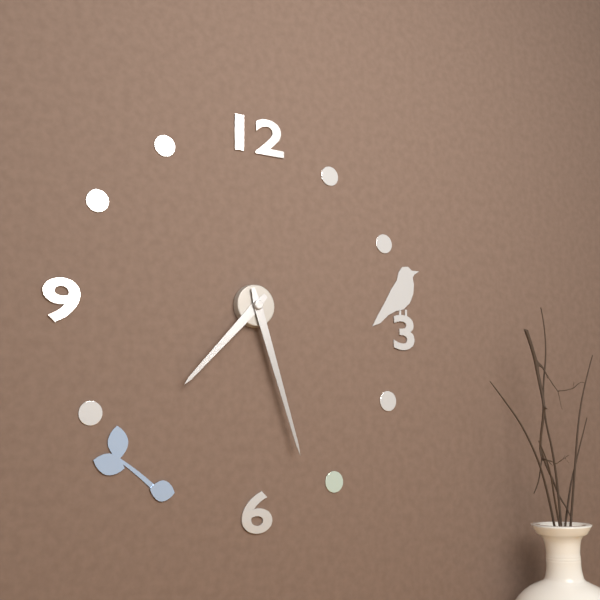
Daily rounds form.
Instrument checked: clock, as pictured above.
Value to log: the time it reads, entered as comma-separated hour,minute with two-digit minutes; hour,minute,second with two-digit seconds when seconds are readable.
7,27
